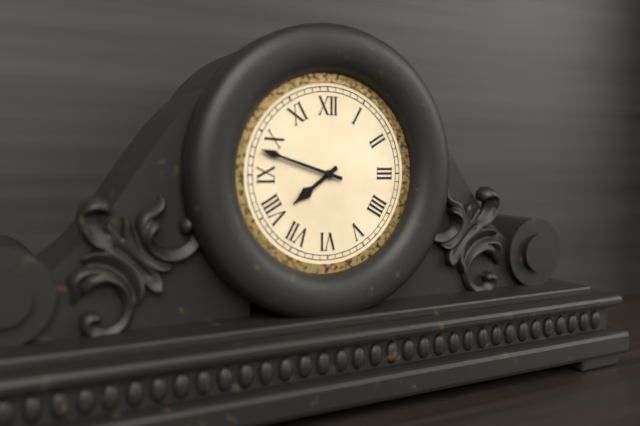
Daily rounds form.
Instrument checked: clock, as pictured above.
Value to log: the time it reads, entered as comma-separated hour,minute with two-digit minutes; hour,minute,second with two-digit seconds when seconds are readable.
7,48
